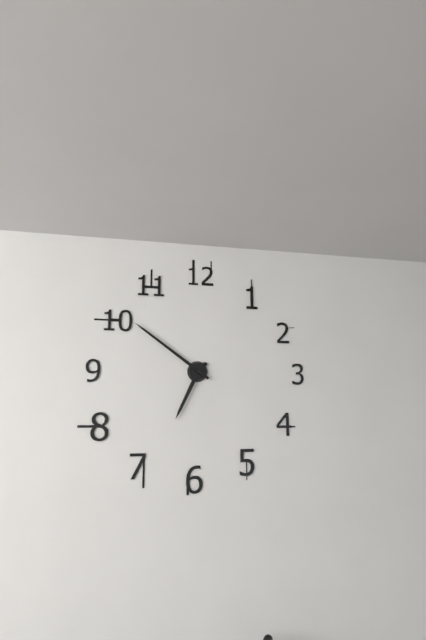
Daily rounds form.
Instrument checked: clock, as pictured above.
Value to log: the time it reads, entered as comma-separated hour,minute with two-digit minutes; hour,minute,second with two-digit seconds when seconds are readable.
6,51
